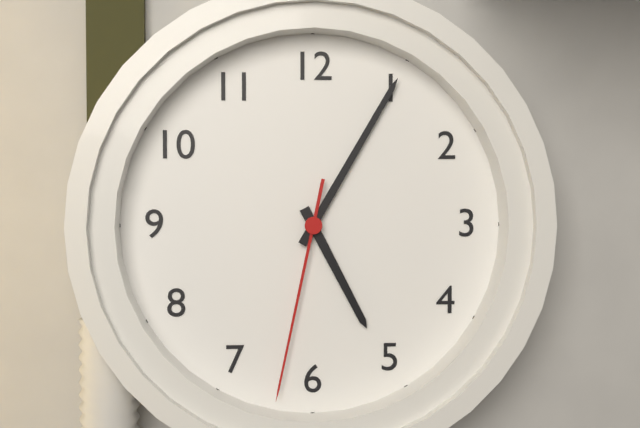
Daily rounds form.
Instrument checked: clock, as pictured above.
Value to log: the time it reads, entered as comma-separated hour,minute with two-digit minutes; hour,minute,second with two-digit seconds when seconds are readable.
5,05,32
